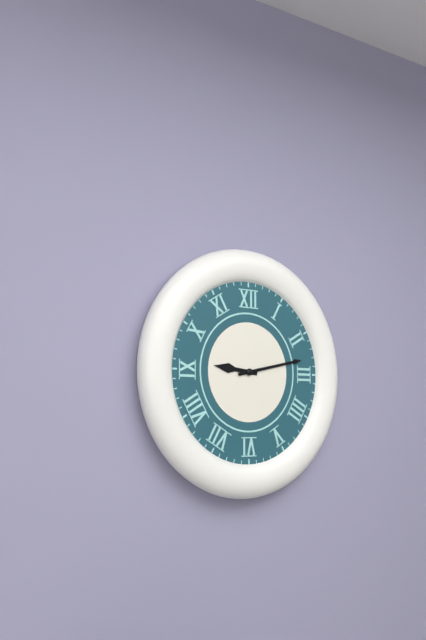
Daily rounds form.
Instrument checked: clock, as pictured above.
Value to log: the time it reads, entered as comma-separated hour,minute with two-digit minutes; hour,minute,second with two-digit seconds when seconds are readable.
9,13
